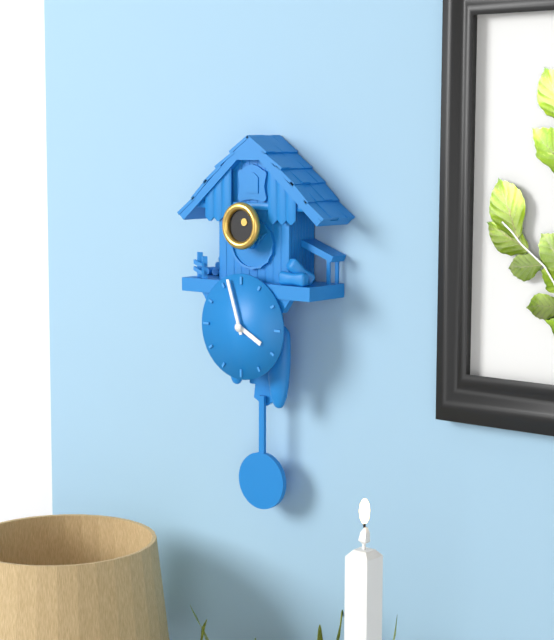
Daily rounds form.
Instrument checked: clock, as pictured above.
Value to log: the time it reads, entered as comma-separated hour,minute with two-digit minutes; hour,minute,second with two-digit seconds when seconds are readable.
3,57
